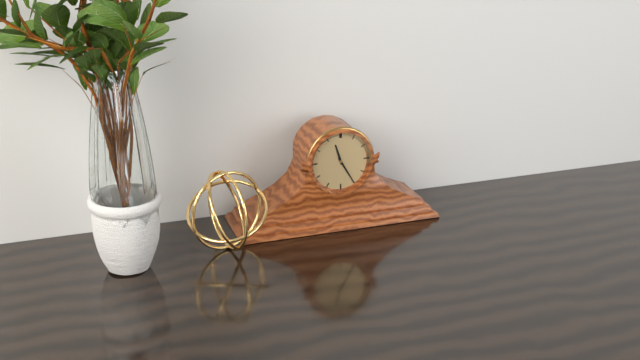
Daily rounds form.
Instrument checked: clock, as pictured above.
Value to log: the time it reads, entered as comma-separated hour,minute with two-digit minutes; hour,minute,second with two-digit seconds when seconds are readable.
11,25
